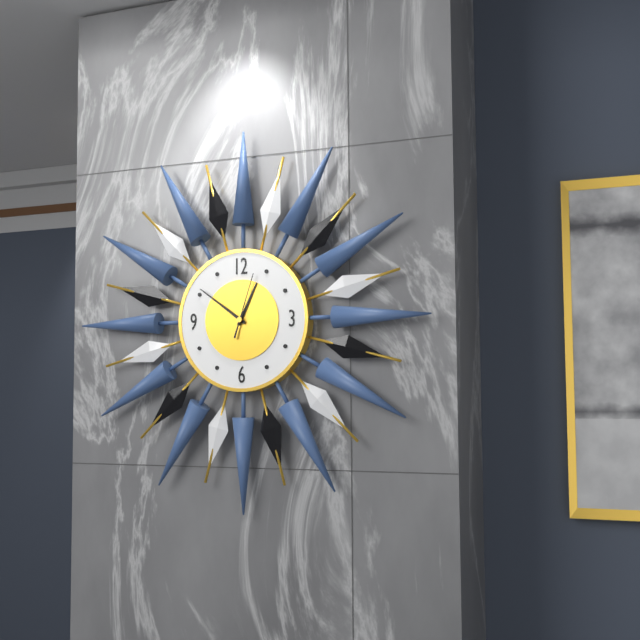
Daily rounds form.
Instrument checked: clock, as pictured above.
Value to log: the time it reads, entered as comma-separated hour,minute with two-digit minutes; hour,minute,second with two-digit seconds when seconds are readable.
12,51,03
